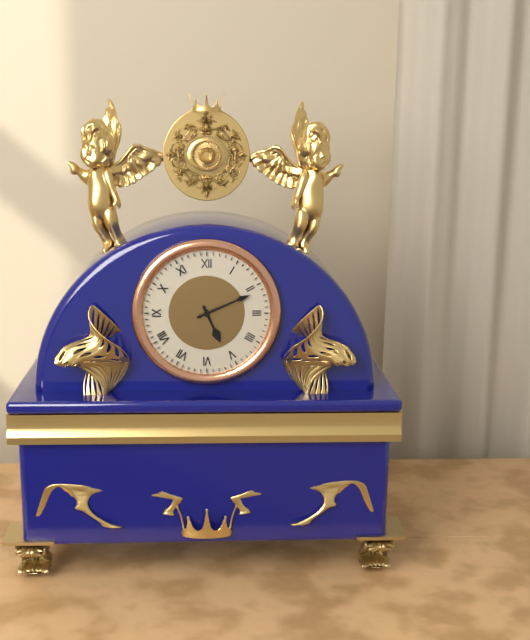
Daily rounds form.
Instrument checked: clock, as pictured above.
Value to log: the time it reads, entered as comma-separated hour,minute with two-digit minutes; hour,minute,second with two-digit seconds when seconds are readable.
5,11
